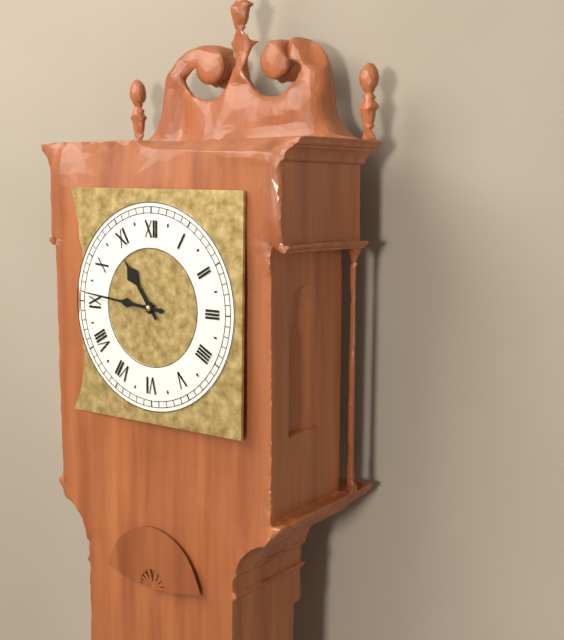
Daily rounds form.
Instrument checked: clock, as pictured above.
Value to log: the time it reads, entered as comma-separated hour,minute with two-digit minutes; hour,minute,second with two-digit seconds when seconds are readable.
10,46
